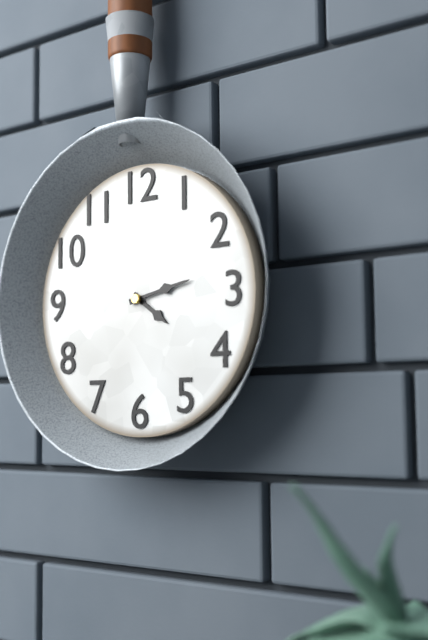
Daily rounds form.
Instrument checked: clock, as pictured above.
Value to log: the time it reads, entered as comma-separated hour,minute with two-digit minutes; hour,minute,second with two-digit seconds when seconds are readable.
4,13
